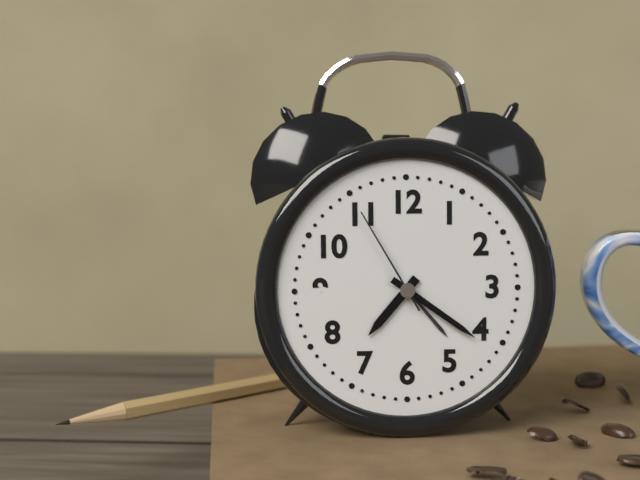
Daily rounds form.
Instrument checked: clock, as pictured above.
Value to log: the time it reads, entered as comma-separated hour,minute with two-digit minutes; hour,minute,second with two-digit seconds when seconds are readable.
7,21,55
